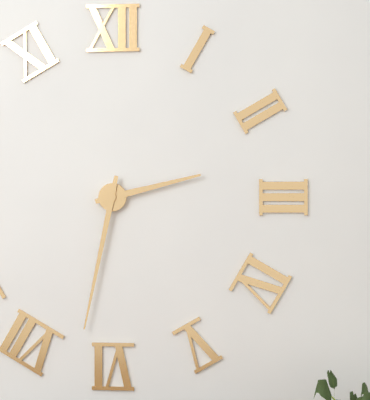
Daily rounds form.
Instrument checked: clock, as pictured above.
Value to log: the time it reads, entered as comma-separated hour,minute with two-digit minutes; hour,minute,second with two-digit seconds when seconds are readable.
2,32
